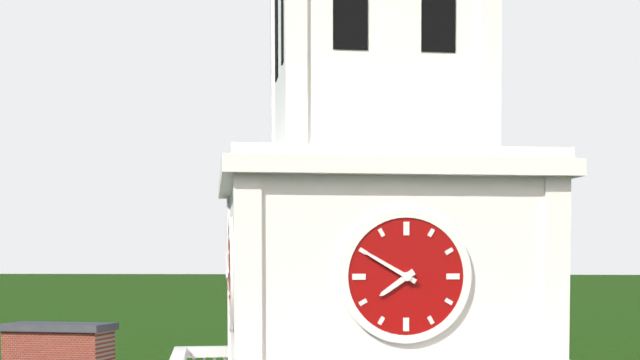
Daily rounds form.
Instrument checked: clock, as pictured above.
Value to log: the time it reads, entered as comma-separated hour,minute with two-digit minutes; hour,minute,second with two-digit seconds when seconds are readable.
7,50
